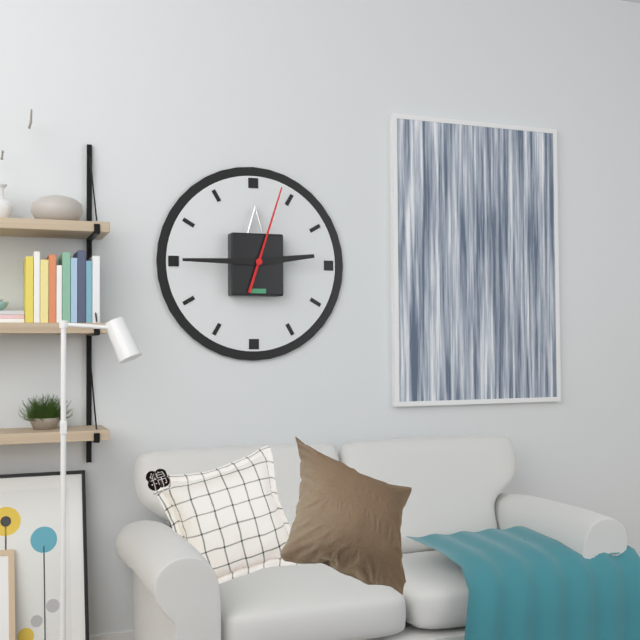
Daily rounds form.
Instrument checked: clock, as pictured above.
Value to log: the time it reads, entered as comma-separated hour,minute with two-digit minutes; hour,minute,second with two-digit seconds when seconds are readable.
2,45,03
